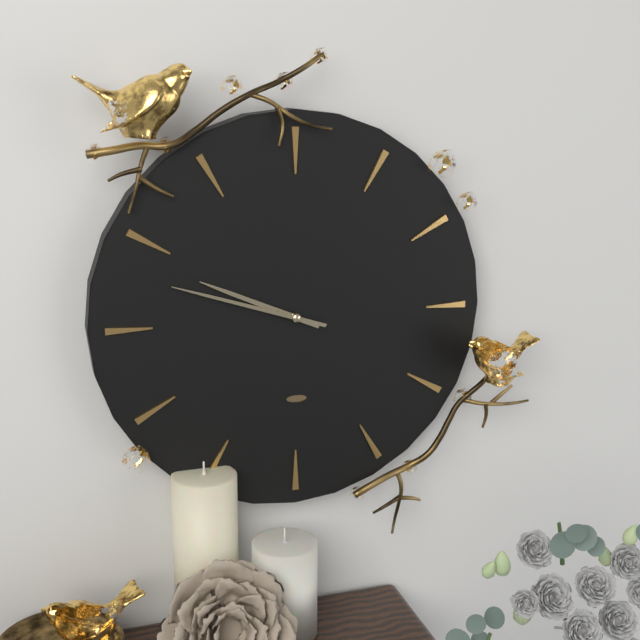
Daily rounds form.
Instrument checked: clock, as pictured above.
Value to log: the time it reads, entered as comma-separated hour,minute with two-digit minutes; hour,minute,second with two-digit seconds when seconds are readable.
9,48
